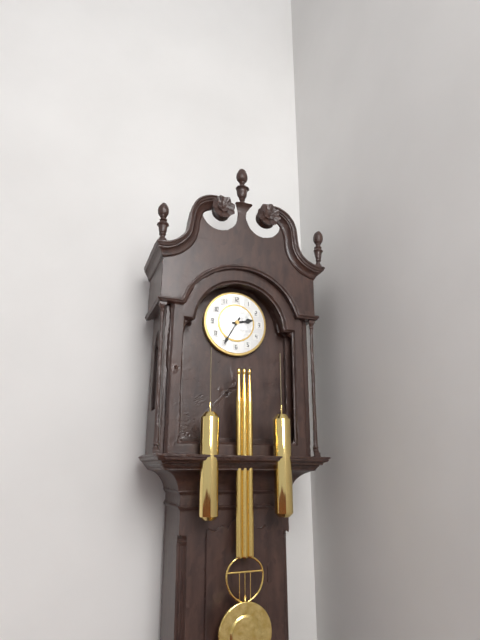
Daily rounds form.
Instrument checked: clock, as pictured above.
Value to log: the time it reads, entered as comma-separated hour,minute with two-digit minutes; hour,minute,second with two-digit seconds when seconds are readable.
2,35
